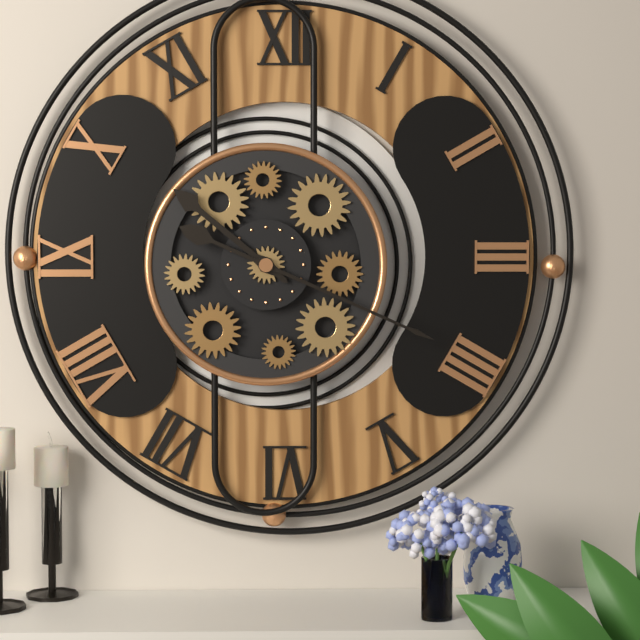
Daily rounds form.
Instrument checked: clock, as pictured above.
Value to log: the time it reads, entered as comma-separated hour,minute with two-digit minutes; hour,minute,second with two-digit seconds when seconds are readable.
10,19
